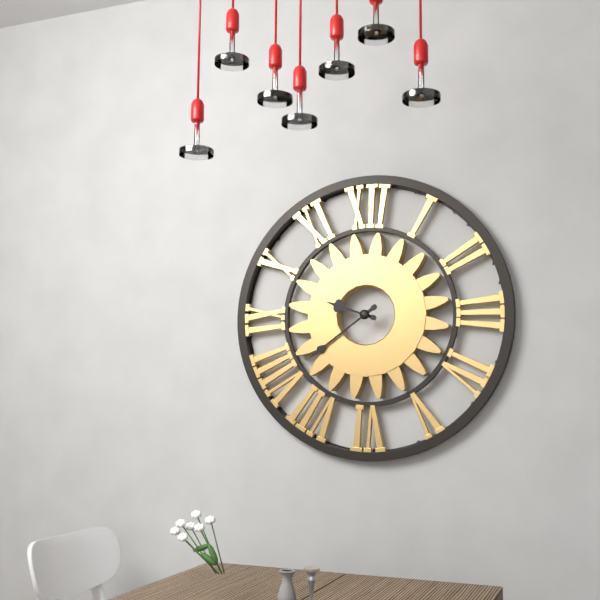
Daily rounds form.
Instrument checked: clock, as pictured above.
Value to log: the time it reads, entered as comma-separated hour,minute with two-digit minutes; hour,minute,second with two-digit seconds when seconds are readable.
9,39
